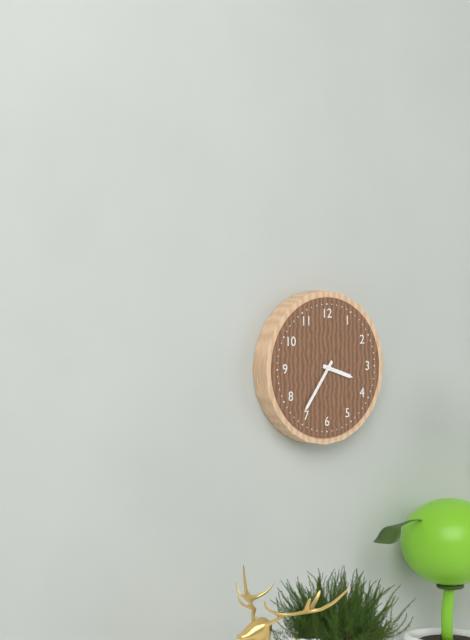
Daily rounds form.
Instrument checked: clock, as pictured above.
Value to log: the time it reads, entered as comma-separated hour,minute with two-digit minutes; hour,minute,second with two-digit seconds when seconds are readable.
3,36
